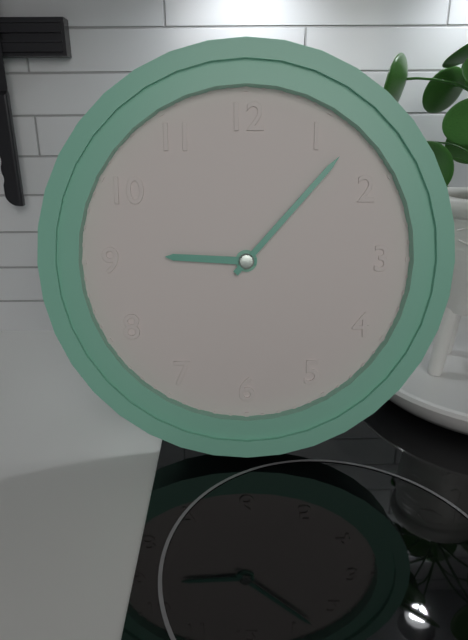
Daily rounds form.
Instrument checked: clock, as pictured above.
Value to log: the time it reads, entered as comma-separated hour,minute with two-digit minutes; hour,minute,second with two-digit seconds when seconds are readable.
9,07
